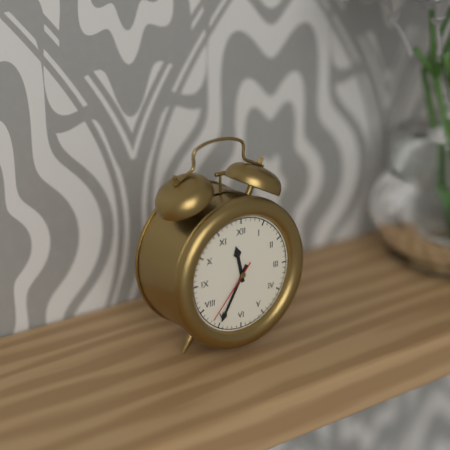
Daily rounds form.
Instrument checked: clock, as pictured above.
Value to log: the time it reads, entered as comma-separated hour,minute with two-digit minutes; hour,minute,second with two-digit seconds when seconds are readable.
11,35,37
